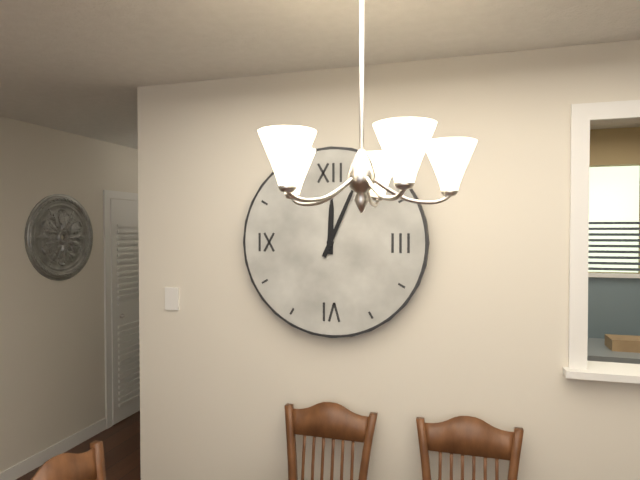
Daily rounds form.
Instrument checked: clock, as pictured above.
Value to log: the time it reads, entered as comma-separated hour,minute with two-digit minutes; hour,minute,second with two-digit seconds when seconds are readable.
12,04
